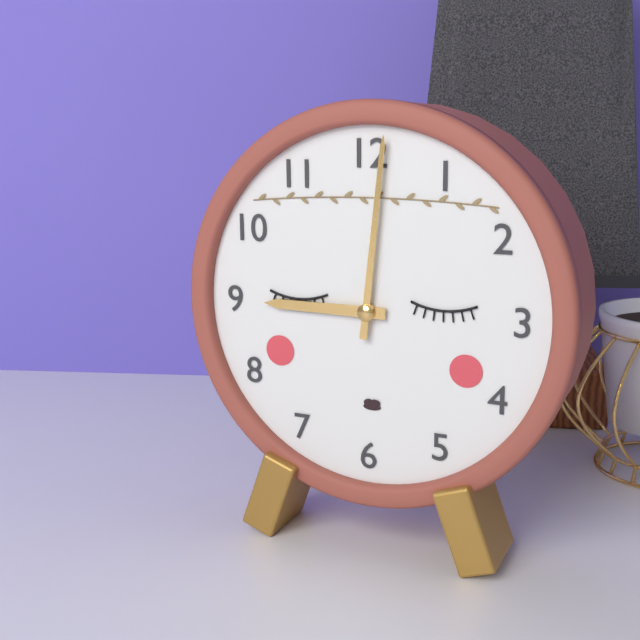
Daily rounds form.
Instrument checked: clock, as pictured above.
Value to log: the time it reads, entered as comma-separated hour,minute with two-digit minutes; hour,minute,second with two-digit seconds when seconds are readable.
9,01
